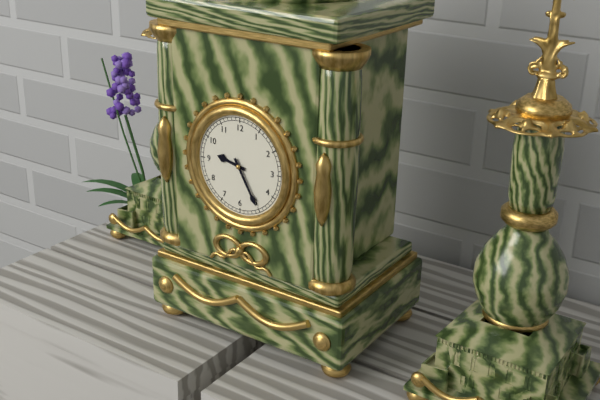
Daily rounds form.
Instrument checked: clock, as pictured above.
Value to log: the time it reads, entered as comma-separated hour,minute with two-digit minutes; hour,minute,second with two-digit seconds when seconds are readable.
9,25
